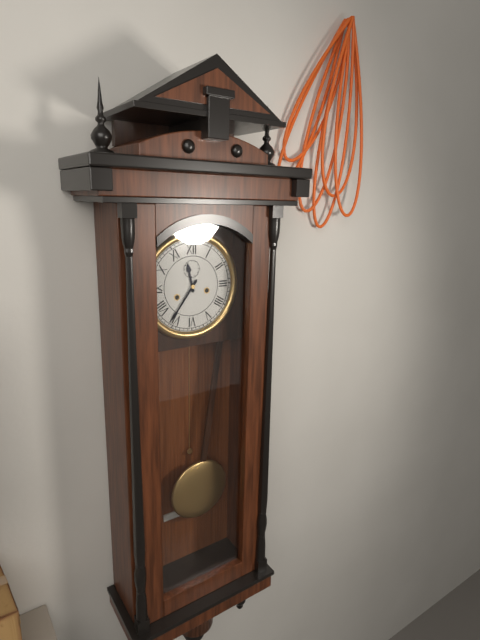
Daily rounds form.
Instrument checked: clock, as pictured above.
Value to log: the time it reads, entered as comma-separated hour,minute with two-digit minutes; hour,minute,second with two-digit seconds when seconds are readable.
11,36
